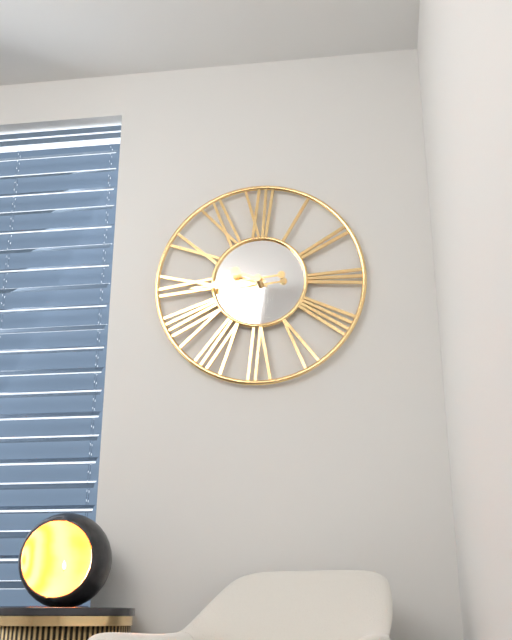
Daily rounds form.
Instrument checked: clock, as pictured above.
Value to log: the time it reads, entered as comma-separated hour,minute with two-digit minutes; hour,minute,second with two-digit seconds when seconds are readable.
9,44
